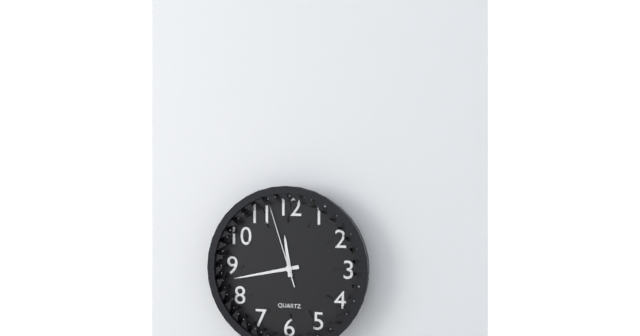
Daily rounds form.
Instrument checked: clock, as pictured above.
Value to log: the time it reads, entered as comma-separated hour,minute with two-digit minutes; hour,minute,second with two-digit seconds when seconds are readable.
11,43,57
